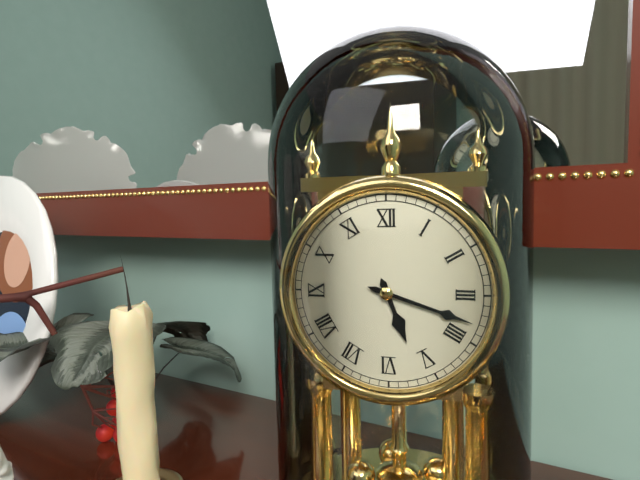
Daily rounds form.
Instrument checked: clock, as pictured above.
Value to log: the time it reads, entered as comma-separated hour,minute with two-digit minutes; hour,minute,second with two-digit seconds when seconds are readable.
5,18
